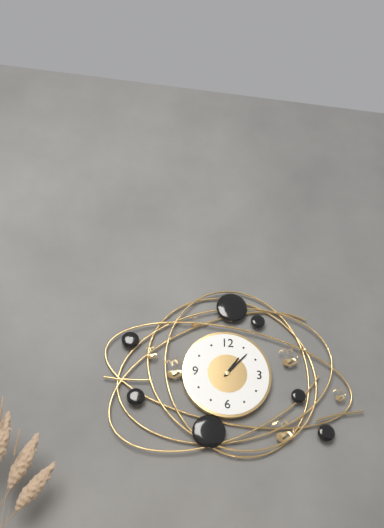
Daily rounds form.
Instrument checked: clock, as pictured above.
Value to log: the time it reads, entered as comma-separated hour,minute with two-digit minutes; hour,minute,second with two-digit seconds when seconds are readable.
1,07
